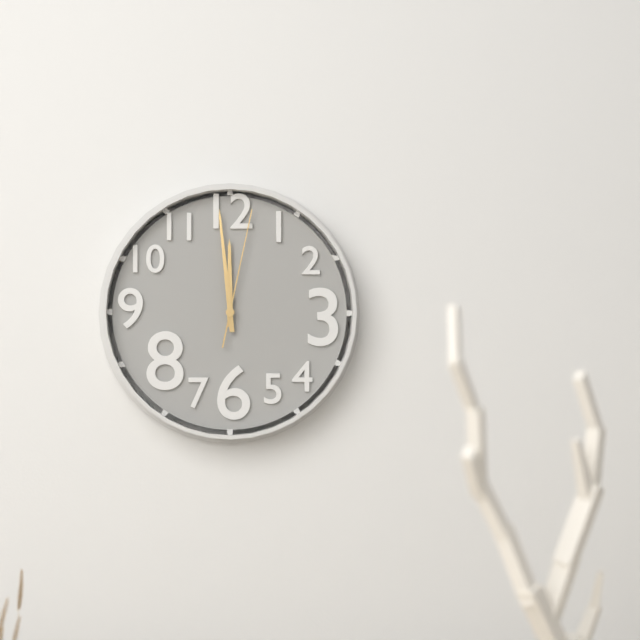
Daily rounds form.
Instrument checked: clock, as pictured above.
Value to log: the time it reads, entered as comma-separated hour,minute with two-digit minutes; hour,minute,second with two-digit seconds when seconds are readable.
11,59,02
